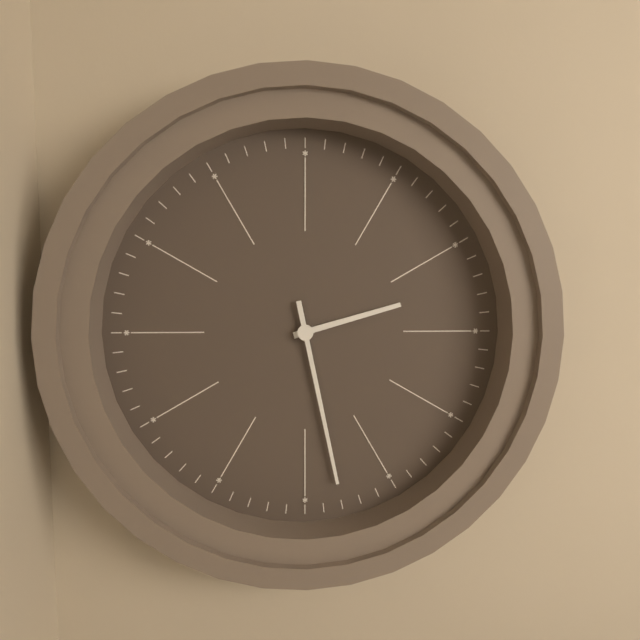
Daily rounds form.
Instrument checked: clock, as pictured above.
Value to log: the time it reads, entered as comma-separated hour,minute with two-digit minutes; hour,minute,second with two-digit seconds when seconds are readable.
2,28
